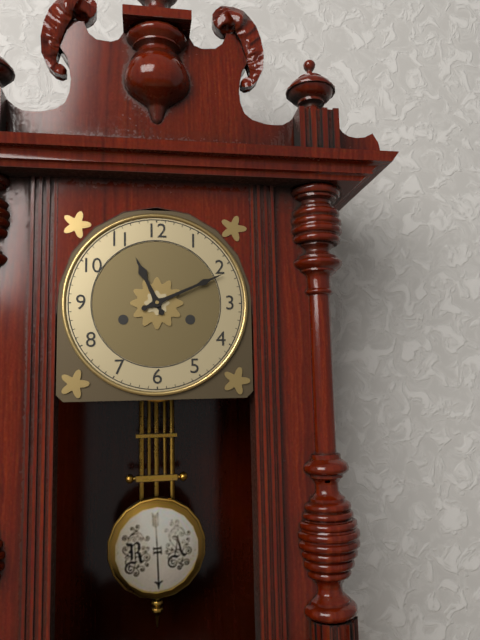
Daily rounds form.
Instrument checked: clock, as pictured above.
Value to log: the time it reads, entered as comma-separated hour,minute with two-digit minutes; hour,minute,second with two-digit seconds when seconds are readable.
11,11
